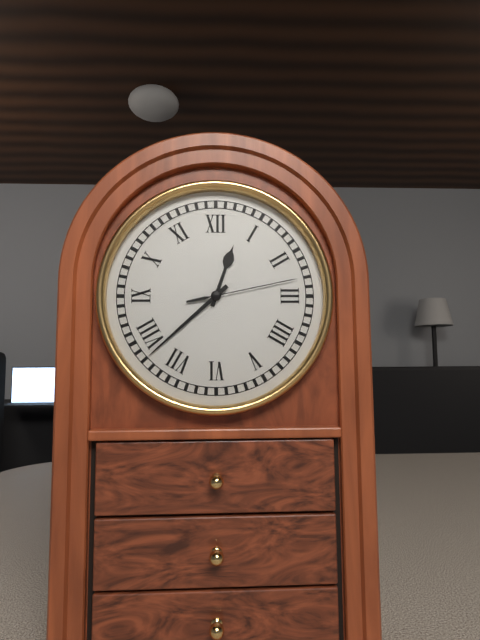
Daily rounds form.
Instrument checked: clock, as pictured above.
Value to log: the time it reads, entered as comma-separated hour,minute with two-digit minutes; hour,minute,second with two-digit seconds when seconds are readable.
12,38,13
